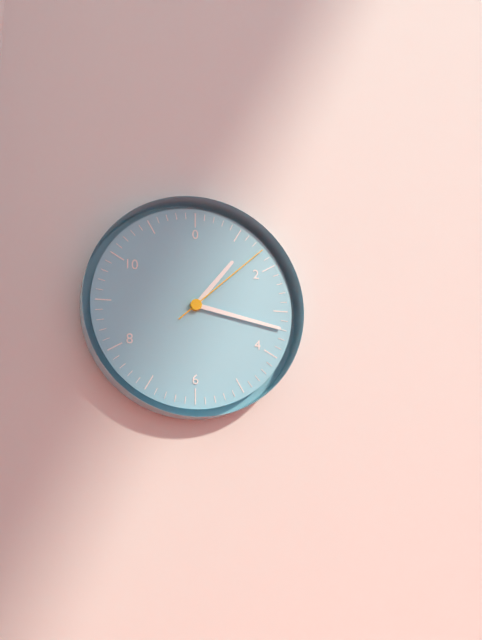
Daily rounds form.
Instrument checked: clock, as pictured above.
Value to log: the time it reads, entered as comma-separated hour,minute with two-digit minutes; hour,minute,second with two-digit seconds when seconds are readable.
1,17,08
